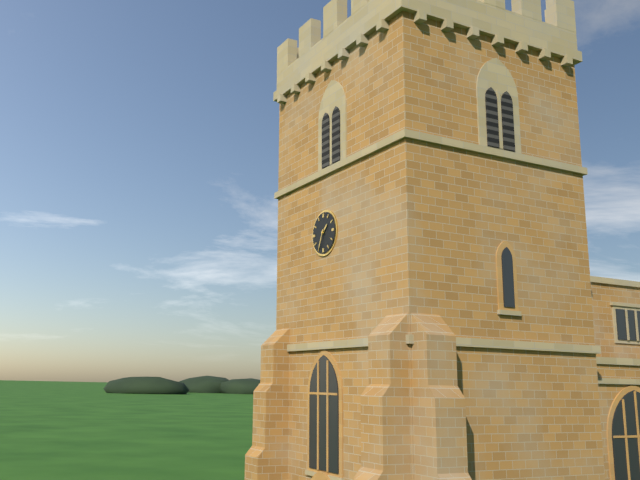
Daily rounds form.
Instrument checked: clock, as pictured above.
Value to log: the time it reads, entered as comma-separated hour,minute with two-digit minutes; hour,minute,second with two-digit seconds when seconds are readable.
1,34
